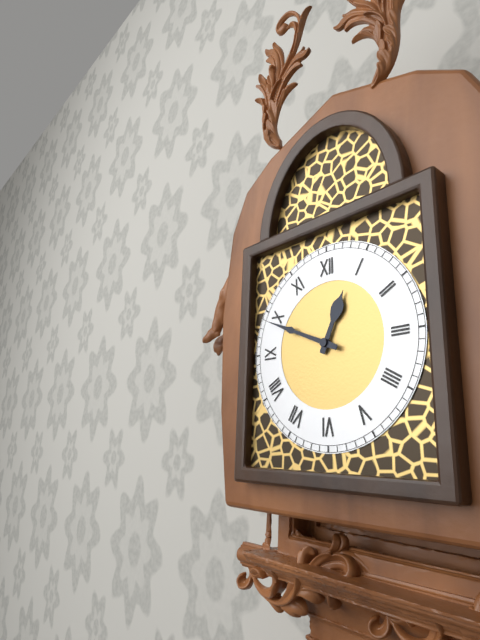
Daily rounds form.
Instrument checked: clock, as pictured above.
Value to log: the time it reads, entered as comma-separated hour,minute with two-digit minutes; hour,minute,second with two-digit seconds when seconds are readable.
12,49
